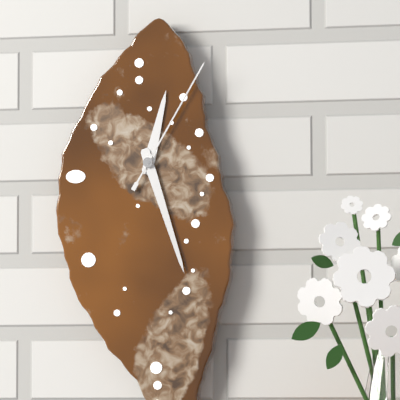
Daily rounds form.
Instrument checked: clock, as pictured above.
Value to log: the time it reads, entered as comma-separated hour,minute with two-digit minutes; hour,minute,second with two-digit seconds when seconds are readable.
12,27,05
